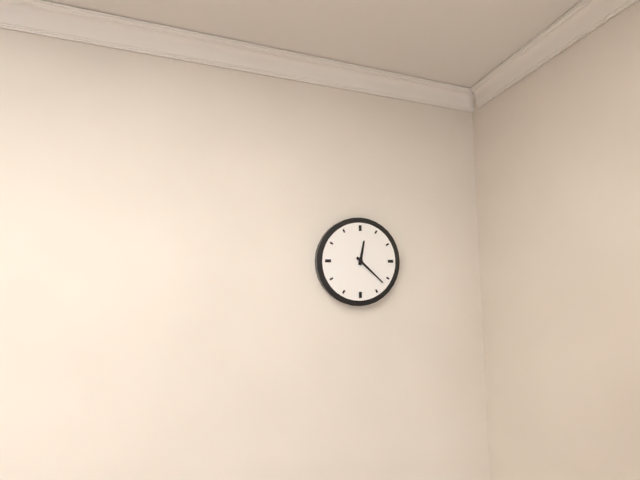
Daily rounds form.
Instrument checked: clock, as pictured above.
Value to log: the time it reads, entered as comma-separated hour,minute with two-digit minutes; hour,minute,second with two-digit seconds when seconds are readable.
12,22
